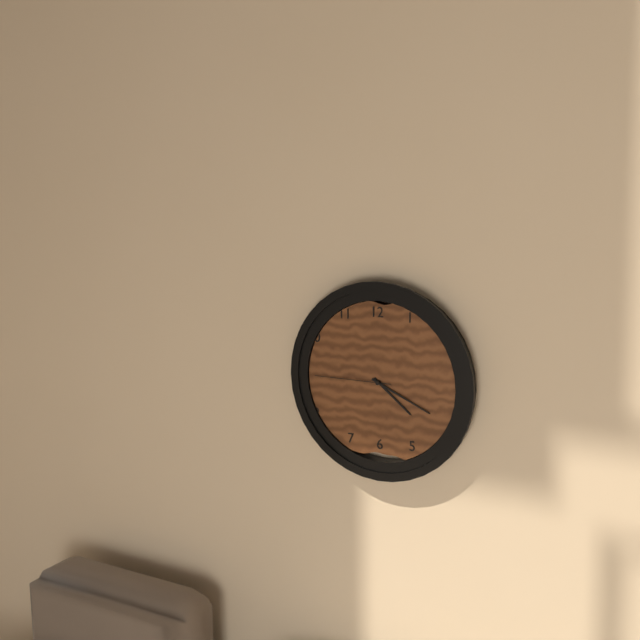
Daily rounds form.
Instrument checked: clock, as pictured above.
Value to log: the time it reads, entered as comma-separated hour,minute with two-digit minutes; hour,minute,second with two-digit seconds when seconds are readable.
4,19,45
